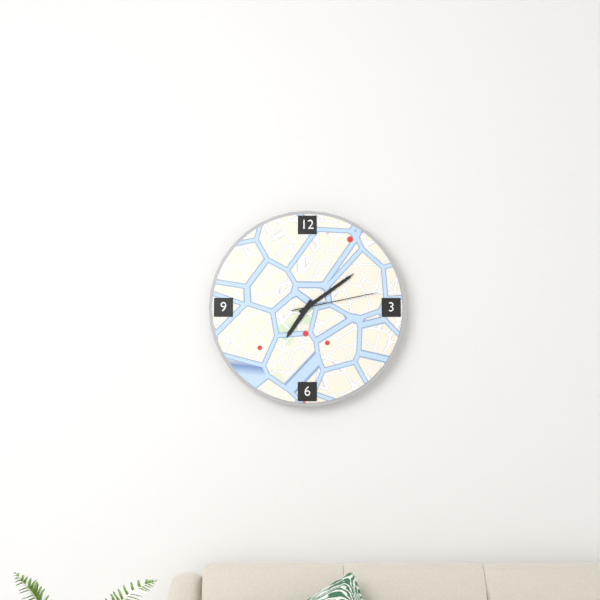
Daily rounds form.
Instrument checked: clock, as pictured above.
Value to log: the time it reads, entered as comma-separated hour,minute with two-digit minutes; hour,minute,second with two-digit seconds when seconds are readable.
7,09,13
